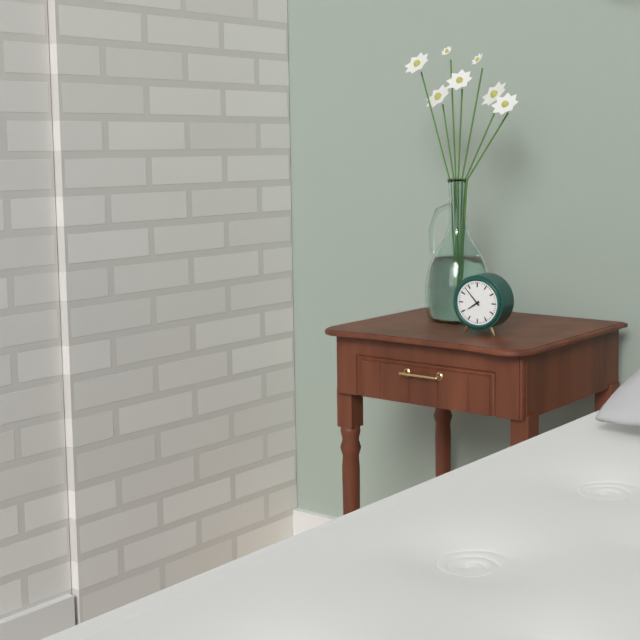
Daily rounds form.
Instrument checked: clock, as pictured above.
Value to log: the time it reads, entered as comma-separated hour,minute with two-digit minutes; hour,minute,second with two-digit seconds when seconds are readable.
7,53
